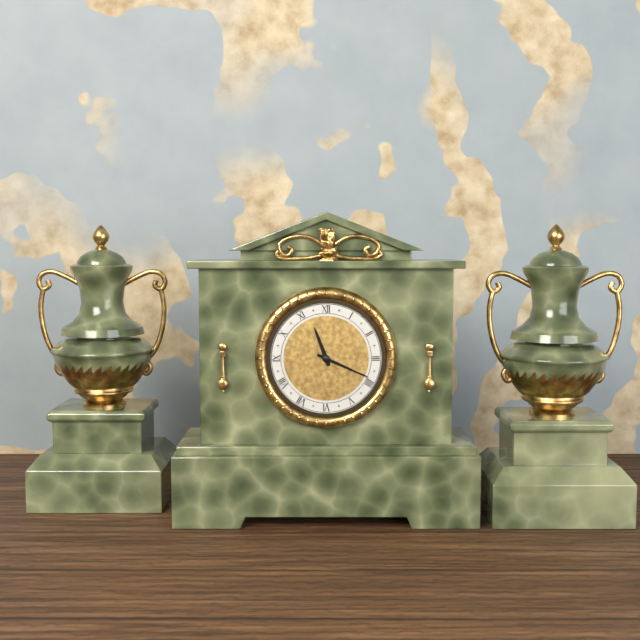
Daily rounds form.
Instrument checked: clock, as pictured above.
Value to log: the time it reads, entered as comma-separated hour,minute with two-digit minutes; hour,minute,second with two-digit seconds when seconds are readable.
11,19
